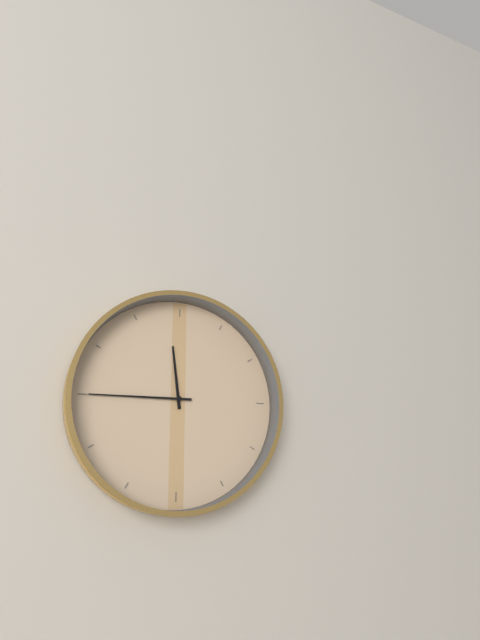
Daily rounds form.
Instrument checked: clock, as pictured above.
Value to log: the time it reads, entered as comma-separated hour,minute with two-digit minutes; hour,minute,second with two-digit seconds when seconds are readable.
11,45
